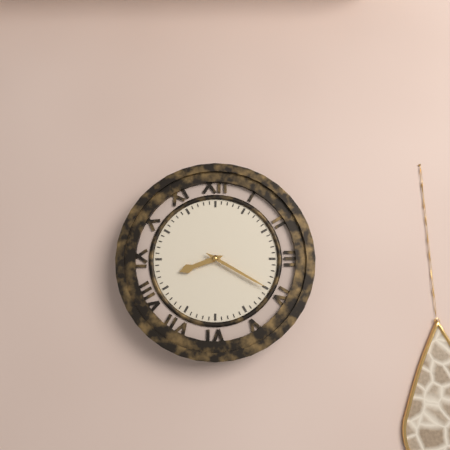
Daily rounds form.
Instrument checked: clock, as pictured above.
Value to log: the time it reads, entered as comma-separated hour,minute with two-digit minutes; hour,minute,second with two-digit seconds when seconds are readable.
8,20
